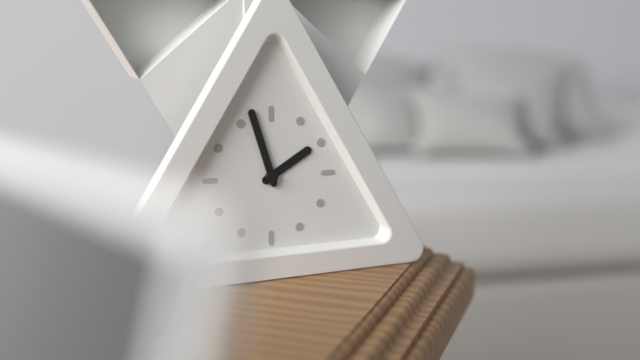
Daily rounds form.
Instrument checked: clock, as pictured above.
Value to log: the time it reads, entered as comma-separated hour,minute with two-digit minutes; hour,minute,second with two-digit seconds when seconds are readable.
1,57
